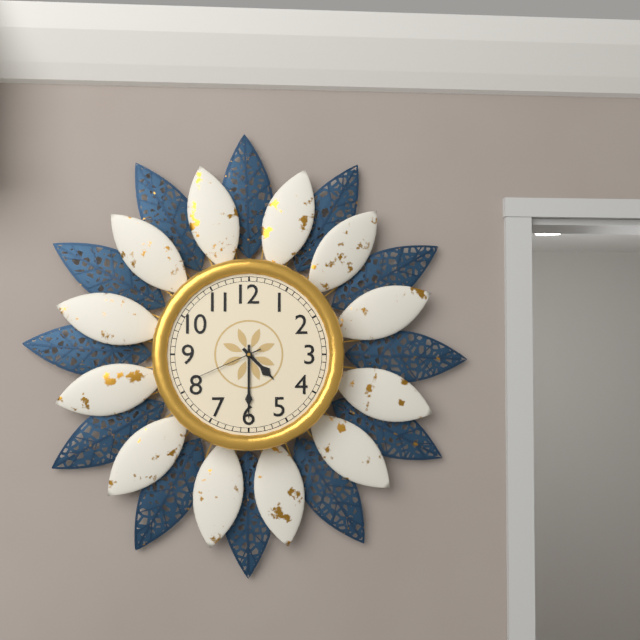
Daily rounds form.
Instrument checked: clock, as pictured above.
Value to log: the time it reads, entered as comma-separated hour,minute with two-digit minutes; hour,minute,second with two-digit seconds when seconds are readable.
4,30,41
